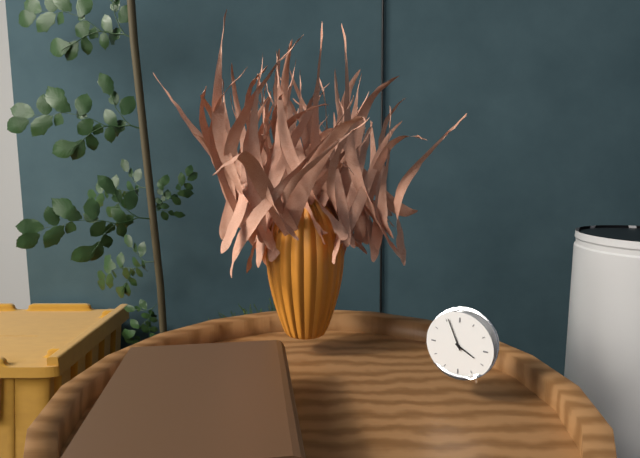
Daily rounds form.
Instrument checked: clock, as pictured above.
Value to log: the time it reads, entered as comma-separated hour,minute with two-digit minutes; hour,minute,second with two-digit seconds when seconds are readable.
3,56
